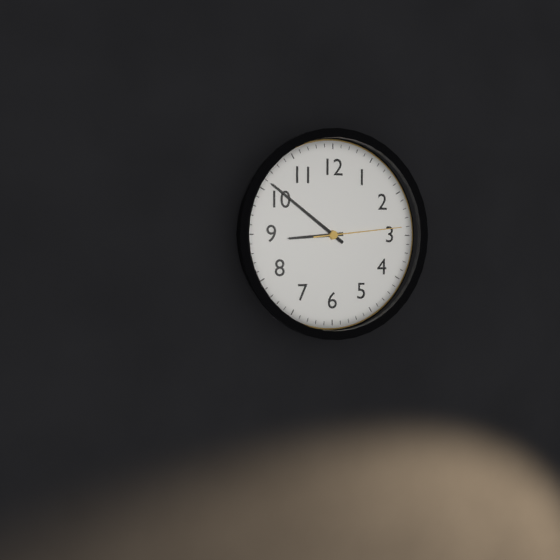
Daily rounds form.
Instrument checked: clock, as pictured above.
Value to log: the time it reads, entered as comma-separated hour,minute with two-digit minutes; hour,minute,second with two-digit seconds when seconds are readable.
8,51,14
